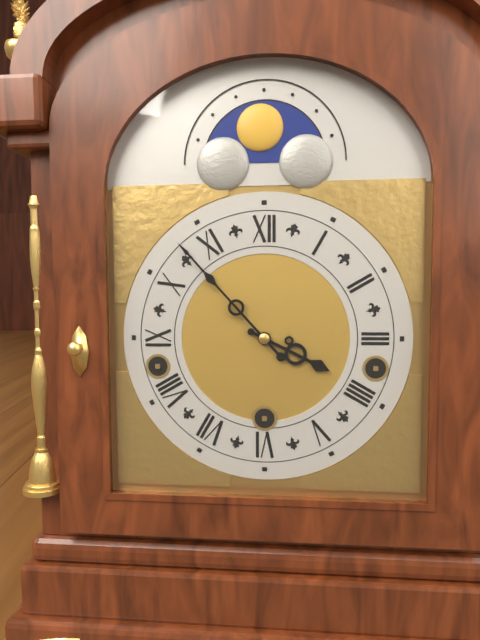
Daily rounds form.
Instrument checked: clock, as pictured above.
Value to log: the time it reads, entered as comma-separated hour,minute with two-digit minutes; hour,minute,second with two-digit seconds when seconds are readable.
3,53
